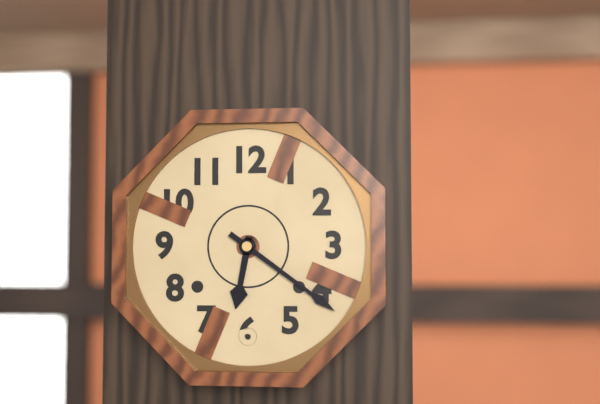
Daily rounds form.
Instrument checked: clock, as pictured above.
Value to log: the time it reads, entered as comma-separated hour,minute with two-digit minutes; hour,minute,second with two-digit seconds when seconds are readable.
6,21
